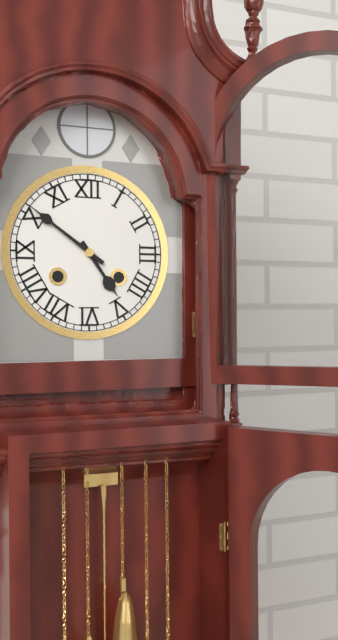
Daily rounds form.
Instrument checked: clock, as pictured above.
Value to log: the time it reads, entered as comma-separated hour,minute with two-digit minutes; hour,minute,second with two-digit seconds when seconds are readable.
4,51
